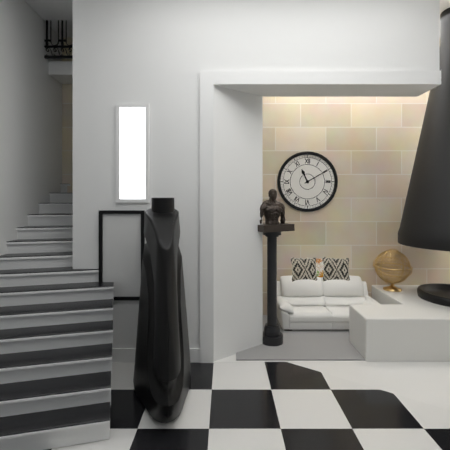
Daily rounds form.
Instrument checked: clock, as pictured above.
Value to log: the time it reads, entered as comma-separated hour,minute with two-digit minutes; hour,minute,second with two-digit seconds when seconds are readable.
11,10
